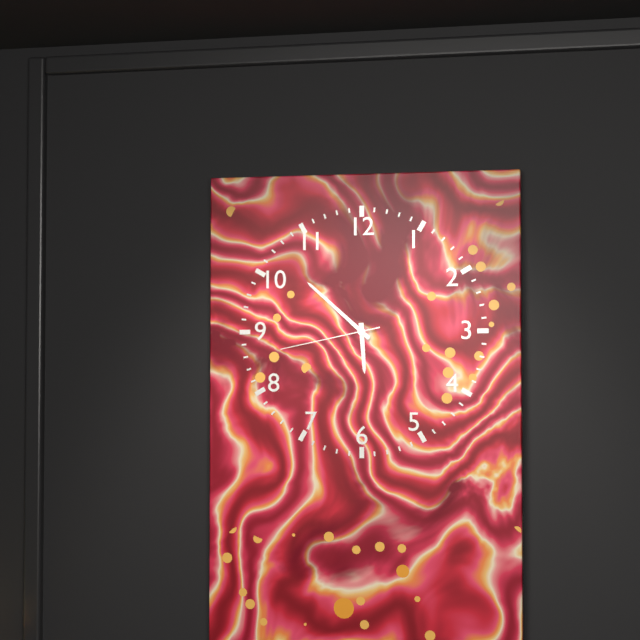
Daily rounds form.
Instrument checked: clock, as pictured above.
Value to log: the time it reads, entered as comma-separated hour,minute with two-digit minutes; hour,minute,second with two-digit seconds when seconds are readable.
5,52,43
